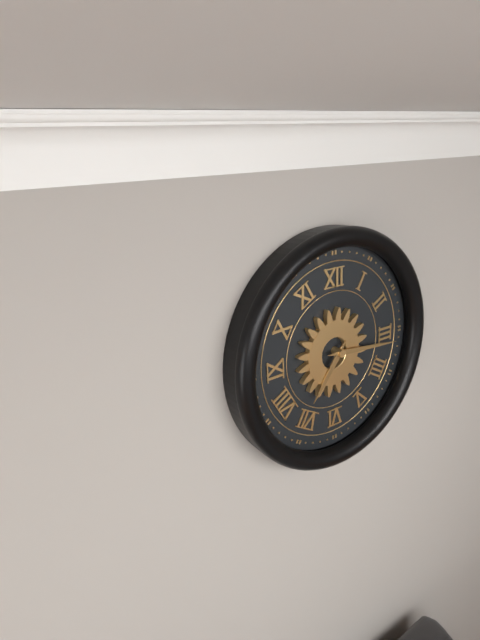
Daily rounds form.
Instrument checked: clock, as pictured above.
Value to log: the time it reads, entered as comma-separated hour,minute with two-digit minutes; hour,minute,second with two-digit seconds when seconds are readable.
7,16
